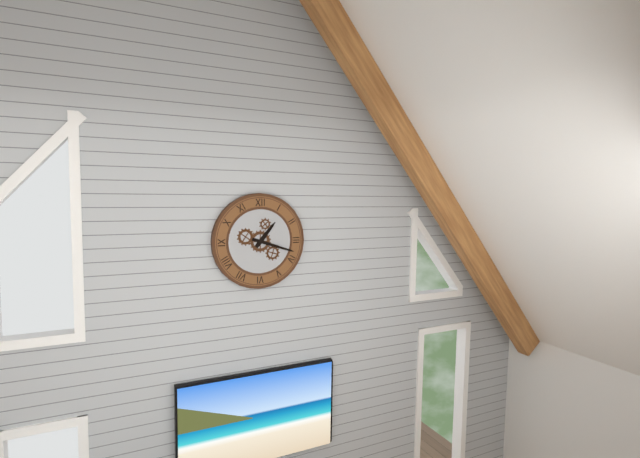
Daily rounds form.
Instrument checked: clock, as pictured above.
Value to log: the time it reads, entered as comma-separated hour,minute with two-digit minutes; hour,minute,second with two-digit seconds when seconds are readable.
1,18
